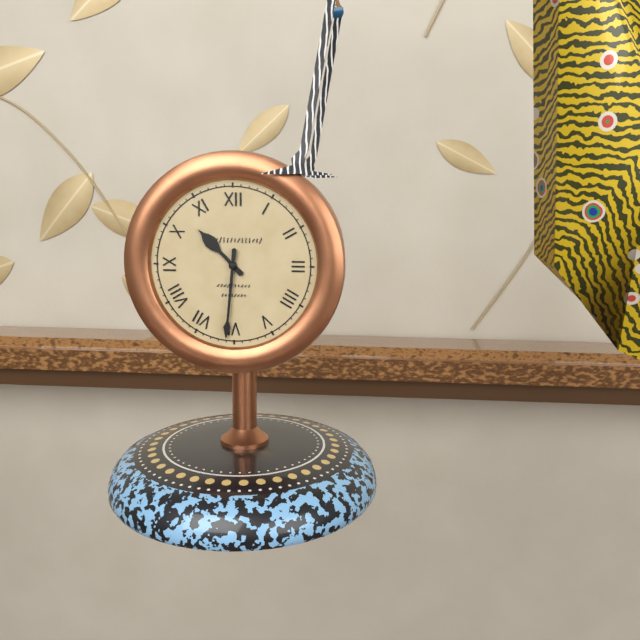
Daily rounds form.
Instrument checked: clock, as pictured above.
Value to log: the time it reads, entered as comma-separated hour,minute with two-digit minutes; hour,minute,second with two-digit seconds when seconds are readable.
10,31
